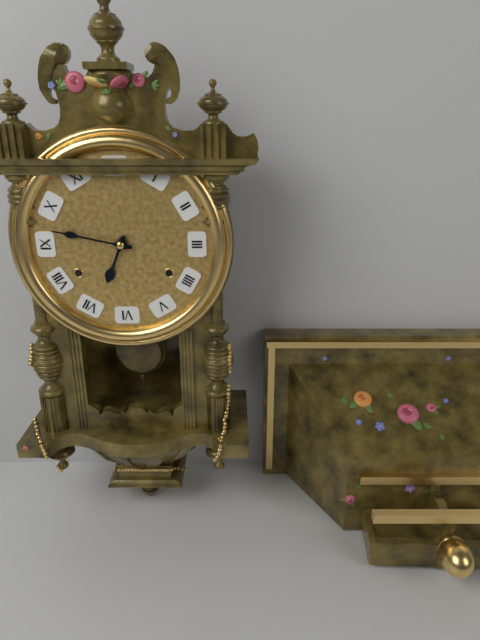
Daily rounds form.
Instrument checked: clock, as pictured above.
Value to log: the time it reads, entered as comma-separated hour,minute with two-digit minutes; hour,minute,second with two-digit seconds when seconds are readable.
6,47
